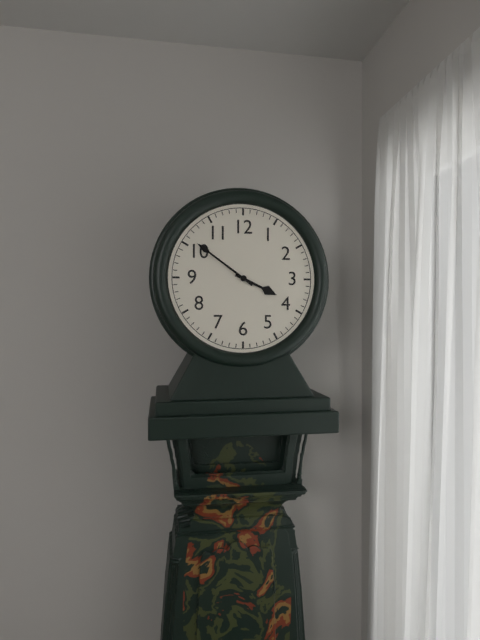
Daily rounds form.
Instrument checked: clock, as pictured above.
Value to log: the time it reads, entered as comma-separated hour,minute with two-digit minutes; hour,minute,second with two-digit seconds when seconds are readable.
3,51
